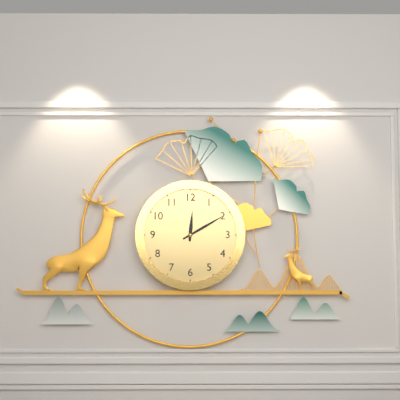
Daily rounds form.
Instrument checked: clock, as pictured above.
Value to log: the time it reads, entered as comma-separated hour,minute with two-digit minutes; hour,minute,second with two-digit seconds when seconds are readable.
12,10
